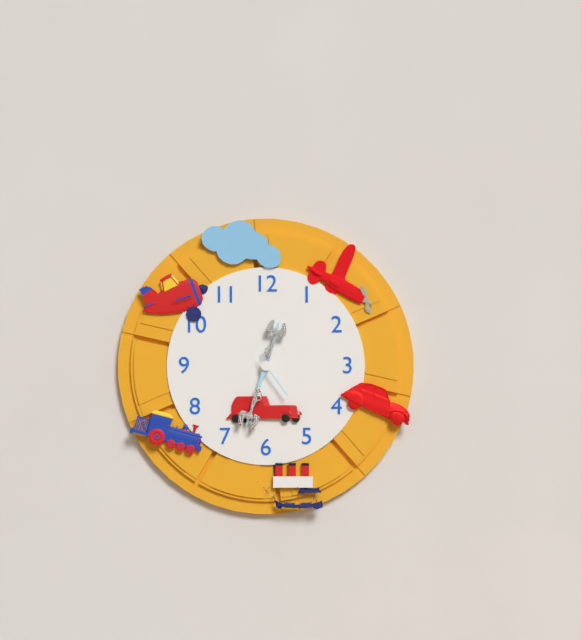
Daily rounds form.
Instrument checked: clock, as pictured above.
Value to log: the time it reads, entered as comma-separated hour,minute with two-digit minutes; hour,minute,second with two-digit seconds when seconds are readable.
12,33
